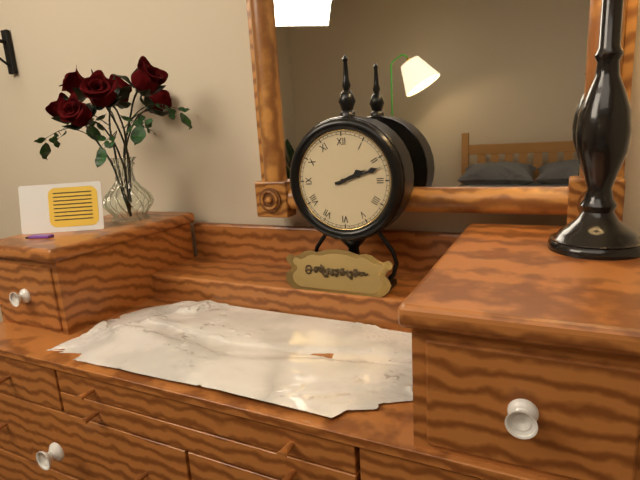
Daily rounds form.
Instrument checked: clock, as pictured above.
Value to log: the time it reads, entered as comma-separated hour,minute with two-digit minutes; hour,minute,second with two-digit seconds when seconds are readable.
2,12
